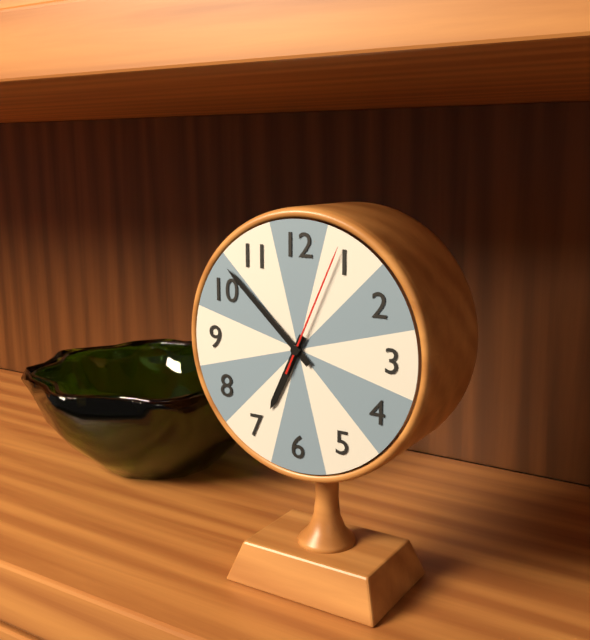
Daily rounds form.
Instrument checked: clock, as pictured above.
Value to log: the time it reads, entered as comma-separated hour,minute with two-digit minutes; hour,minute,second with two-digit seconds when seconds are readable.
6,52,04
